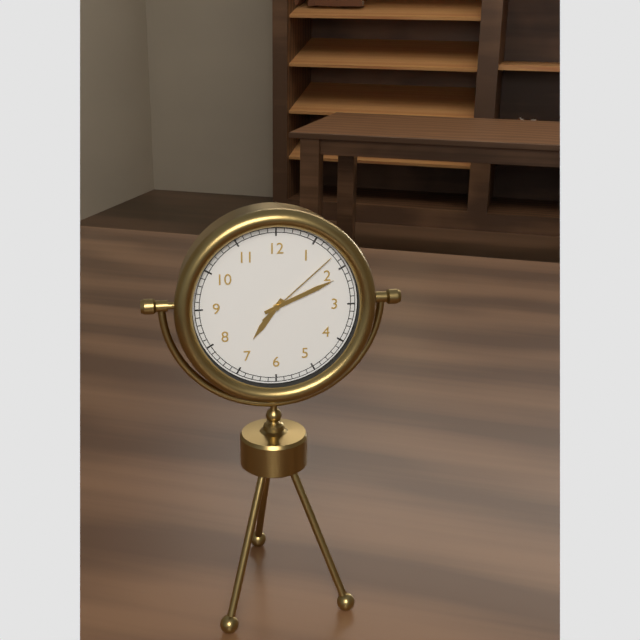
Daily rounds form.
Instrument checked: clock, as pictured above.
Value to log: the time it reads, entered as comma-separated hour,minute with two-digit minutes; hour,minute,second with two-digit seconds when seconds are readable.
7,11,08
